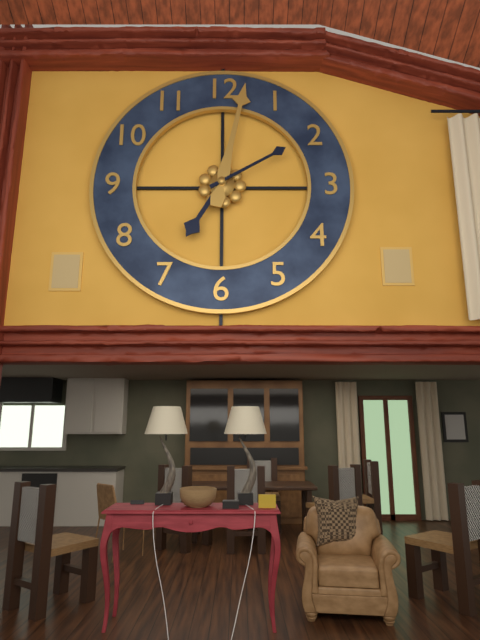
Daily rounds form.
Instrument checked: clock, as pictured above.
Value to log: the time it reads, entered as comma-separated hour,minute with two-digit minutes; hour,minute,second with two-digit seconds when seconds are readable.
7,02,10
